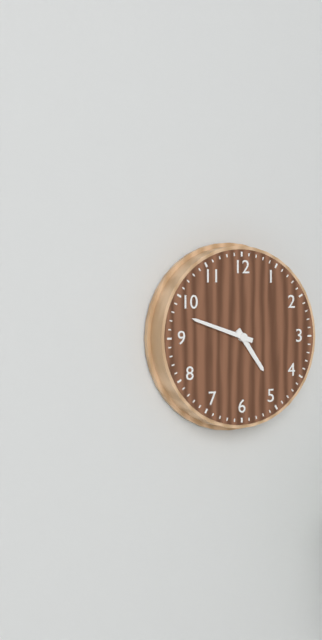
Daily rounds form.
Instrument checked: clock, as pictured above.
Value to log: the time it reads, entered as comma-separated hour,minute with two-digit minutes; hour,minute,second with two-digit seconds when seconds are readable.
4,48
